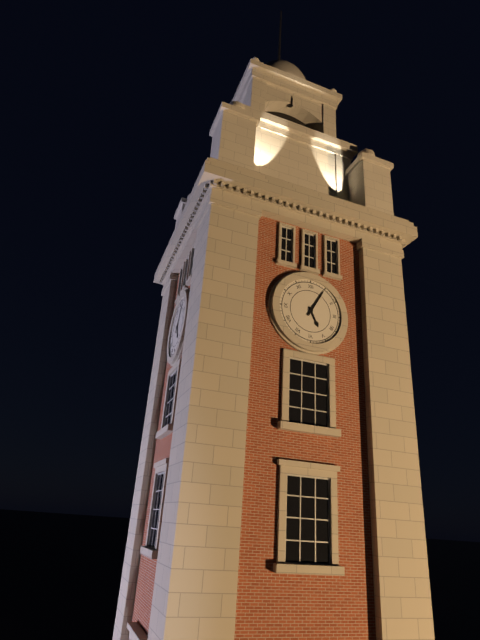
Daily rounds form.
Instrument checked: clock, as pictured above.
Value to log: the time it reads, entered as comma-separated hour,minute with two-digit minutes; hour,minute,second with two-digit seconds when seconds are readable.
5,05
